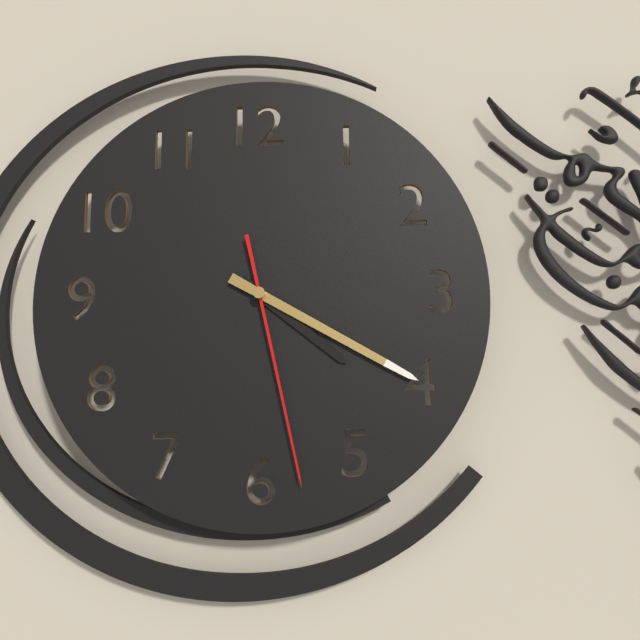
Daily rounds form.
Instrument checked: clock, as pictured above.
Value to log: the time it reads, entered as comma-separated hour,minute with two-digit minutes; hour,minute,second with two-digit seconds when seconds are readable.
4,20,28
